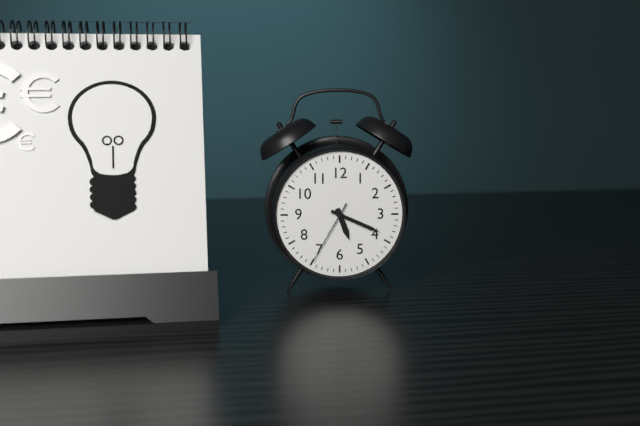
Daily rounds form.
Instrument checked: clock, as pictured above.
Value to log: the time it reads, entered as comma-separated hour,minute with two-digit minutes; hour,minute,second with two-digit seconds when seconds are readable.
5,19,35
